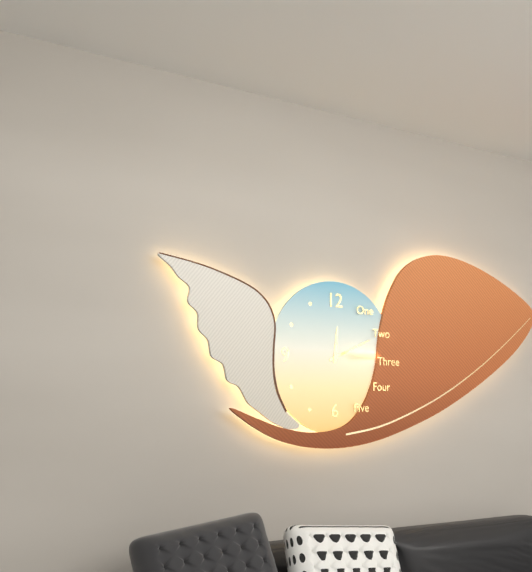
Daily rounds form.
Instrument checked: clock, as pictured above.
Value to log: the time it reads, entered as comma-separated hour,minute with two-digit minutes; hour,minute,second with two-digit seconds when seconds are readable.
12,11
